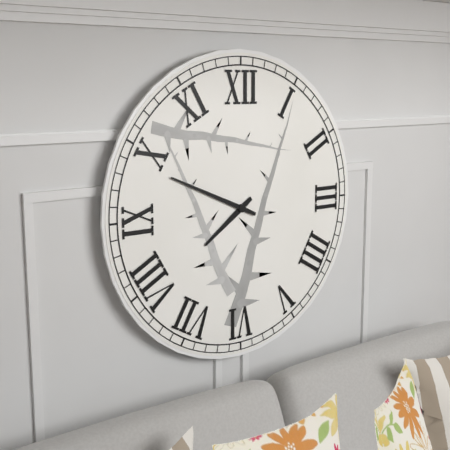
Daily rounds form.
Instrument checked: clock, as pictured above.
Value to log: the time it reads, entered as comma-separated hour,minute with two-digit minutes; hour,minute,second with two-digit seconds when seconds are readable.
7,49
